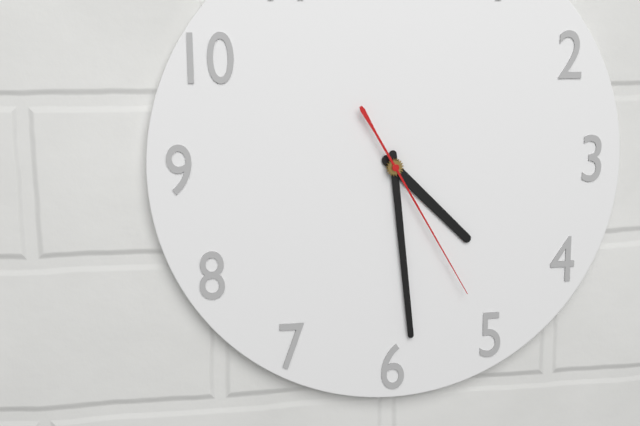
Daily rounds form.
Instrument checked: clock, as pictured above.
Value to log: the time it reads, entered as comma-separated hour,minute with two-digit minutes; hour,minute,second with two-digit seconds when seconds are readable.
4,29,25
